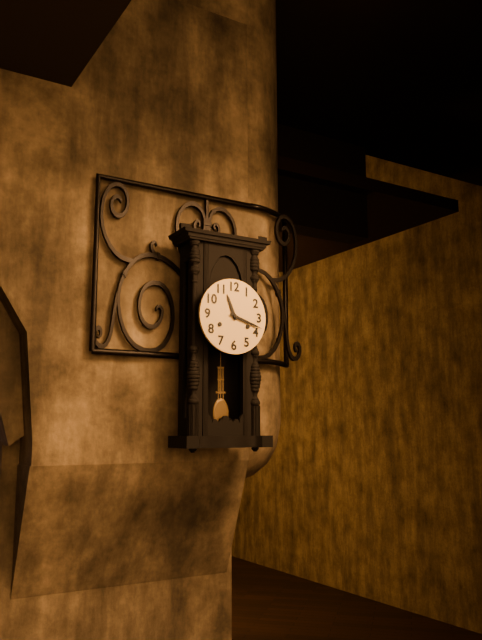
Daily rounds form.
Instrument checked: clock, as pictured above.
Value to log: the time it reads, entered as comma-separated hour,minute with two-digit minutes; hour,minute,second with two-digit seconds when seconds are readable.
11,18
